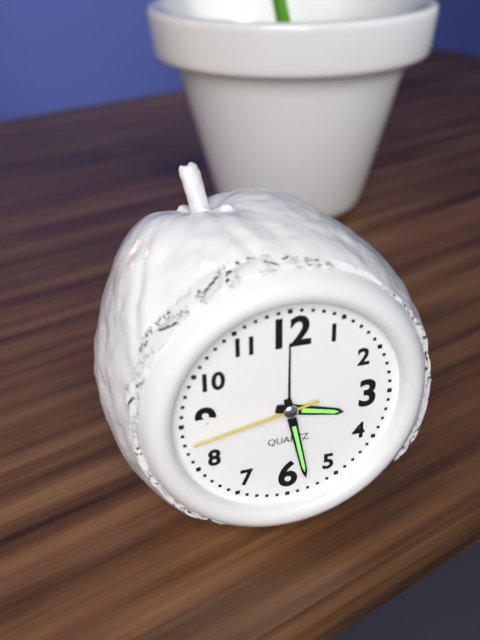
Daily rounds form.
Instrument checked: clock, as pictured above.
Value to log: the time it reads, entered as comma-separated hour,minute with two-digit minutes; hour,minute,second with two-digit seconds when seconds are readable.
3,28,43
